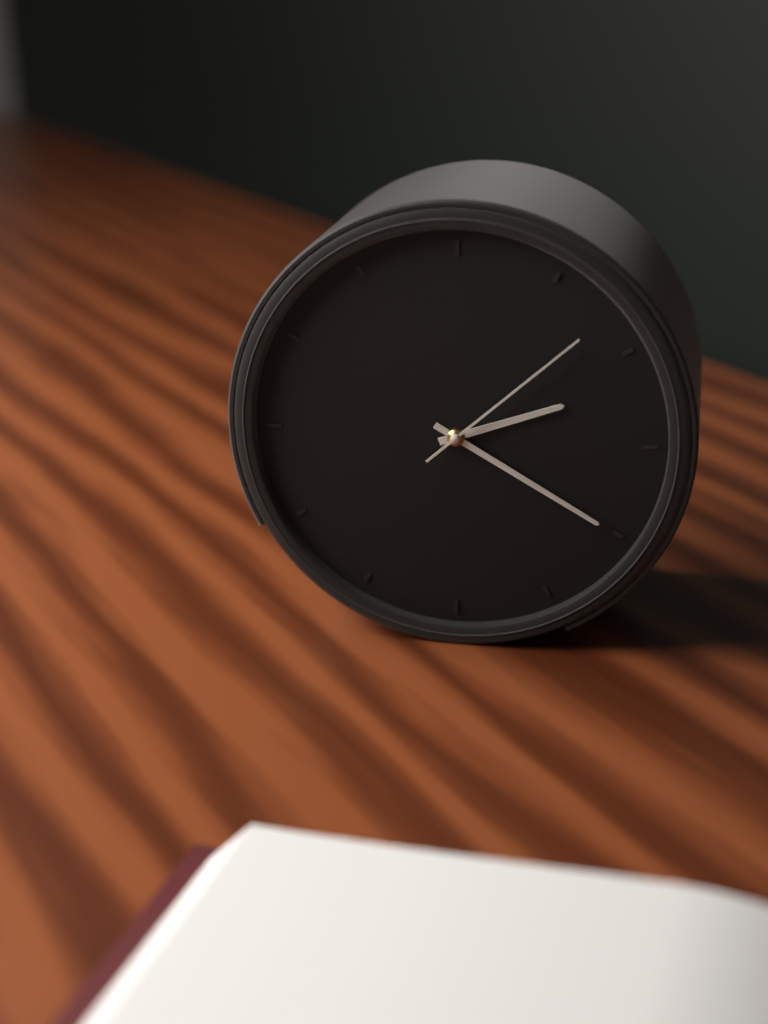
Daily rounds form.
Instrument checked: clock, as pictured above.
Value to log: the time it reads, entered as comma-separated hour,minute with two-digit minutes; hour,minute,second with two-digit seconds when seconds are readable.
2,20,08
